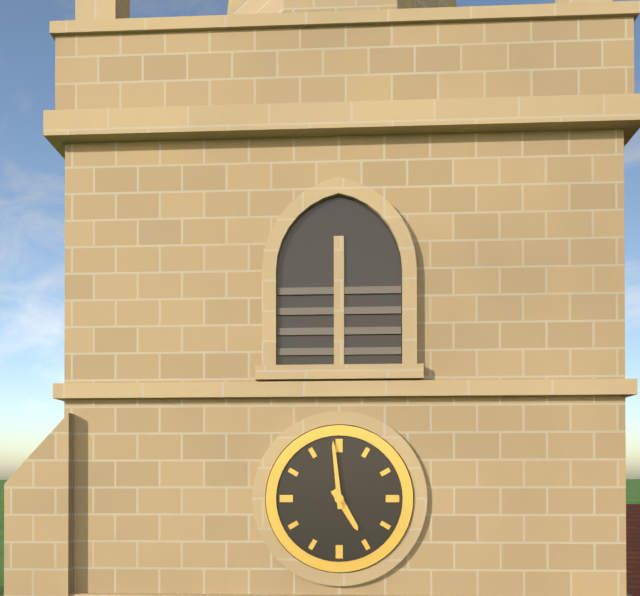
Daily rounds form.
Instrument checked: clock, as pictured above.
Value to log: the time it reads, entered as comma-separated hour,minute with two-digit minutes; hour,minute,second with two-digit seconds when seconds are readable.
4,59
